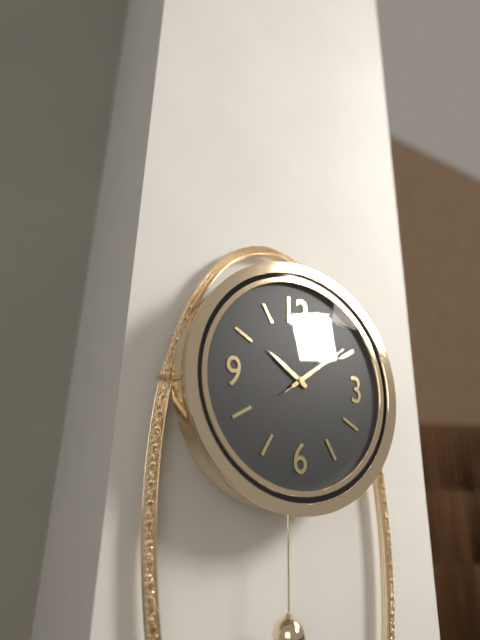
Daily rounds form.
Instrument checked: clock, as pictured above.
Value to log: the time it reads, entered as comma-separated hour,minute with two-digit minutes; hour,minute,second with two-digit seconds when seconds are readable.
10,09,09
